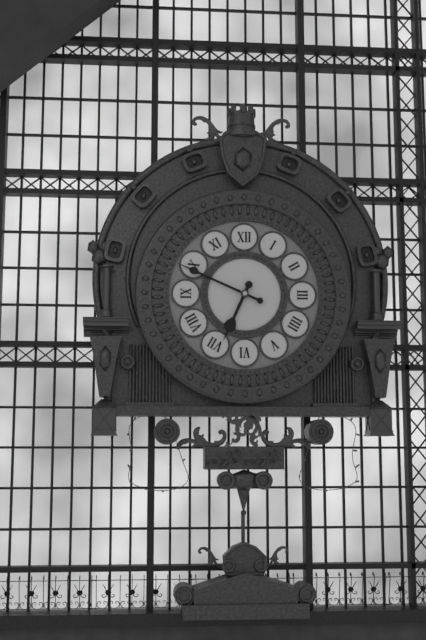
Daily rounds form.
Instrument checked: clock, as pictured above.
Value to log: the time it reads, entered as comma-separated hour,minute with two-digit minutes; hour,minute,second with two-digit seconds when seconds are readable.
6,49
